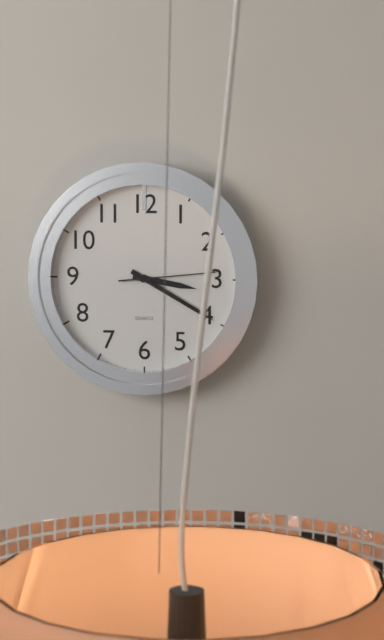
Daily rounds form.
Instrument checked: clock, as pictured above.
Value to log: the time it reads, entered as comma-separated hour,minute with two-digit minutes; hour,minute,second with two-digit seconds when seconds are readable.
3,20,14
